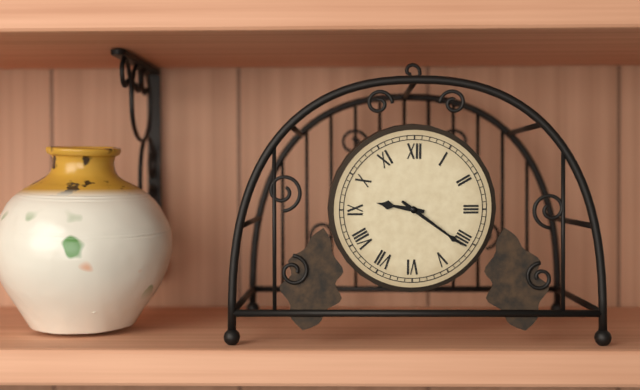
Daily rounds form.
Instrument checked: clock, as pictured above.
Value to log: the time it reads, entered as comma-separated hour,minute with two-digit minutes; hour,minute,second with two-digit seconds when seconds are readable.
9,21
